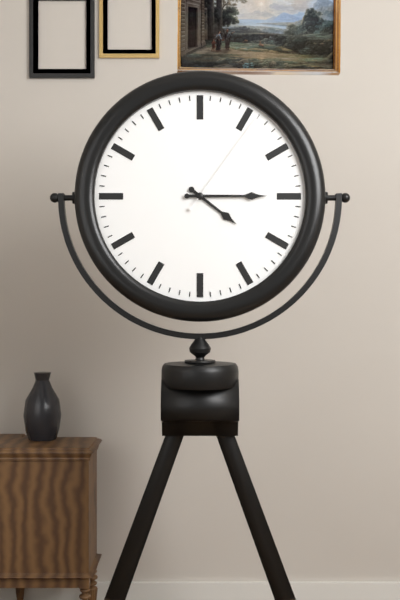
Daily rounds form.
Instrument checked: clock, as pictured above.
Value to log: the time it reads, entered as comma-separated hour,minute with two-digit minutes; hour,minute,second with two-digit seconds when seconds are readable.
4,15,06
